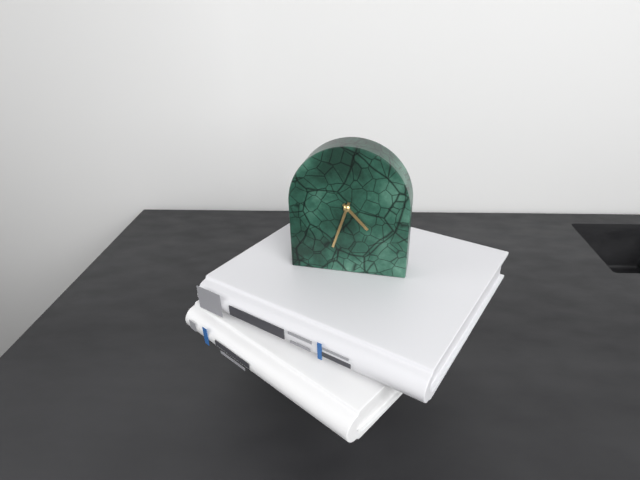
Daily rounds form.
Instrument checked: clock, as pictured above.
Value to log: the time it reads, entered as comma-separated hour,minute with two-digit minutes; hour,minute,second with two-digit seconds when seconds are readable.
4,33
